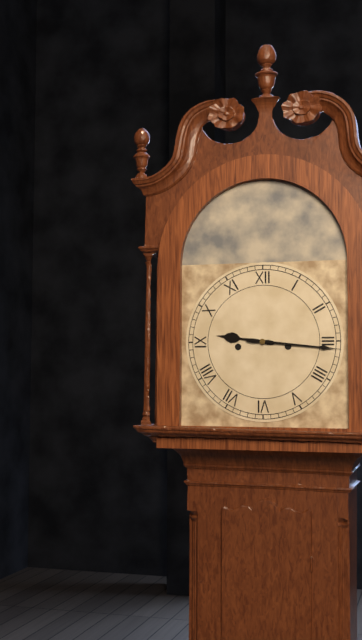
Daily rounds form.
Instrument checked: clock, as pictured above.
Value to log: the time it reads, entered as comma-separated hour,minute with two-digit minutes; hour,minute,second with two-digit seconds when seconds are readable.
9,16
